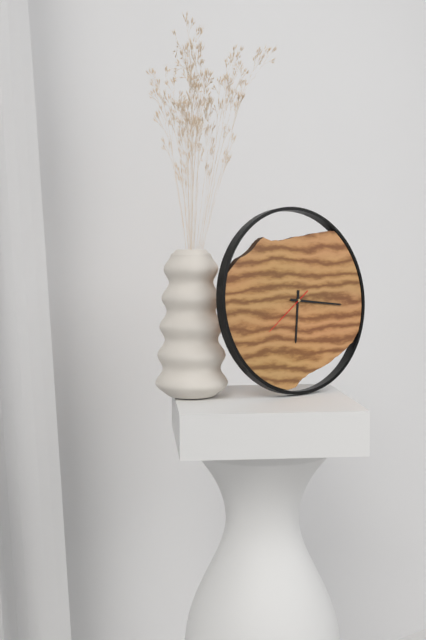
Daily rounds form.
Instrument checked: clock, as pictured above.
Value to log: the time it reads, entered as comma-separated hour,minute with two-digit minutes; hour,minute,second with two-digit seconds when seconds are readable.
6,16,39
